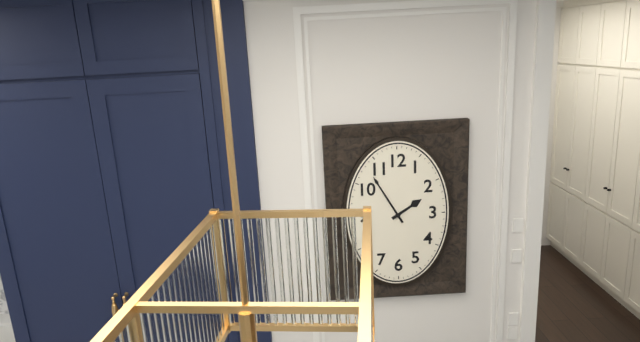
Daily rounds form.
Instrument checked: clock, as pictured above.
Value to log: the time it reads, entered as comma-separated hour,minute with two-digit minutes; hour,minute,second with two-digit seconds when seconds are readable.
1,55
